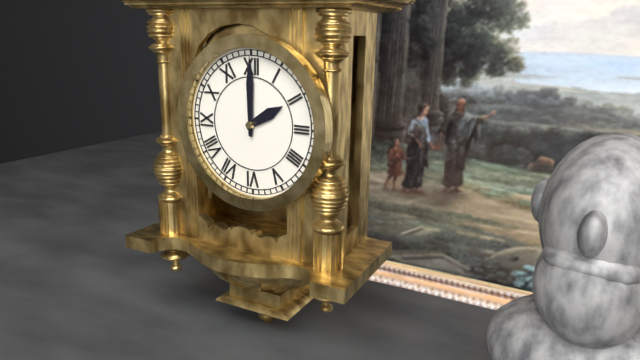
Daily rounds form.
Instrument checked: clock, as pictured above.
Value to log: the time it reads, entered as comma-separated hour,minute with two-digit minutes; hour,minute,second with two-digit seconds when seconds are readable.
2,00
